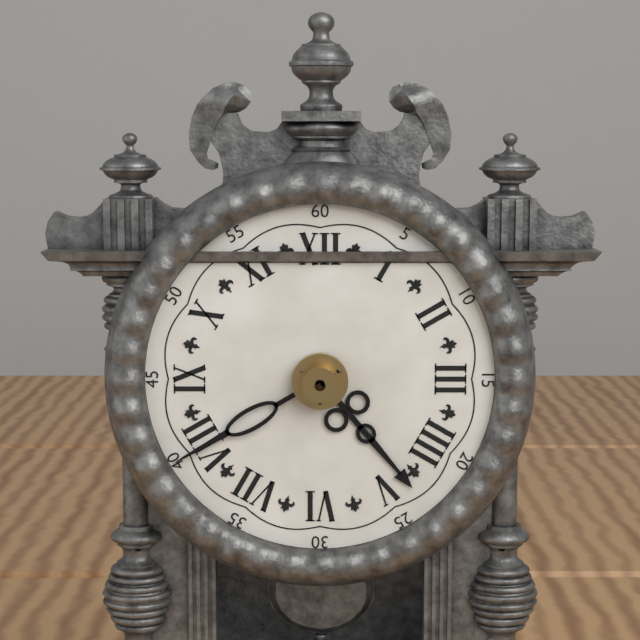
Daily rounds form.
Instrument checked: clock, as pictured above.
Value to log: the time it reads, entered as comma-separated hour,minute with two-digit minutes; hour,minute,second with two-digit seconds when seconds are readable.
4,40
